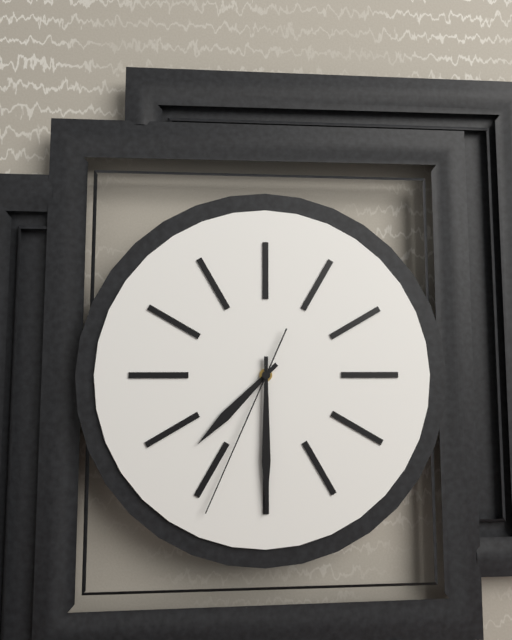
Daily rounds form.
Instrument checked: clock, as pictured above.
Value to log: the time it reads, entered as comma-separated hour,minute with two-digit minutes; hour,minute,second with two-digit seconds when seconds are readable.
7,30,34
